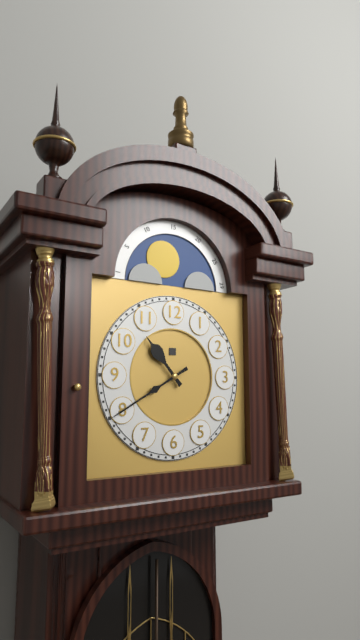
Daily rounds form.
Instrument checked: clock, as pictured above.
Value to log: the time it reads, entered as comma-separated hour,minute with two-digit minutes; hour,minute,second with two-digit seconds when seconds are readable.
10,40
